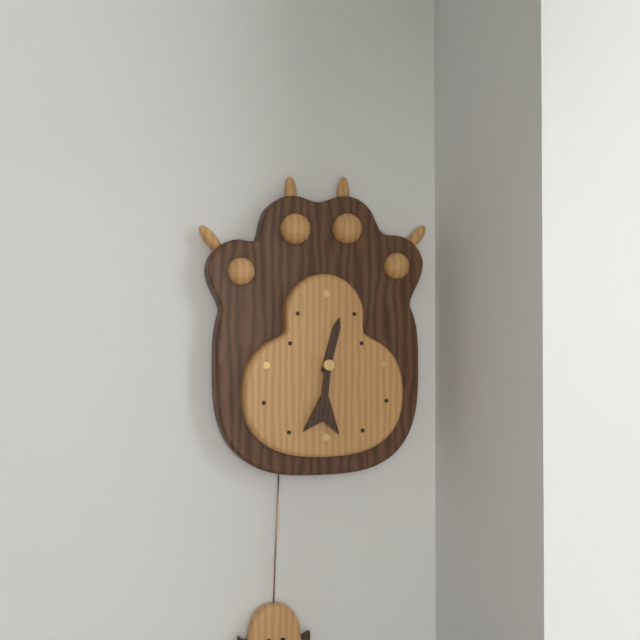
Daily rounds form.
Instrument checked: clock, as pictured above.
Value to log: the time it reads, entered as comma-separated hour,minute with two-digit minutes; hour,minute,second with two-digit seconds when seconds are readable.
12,31
